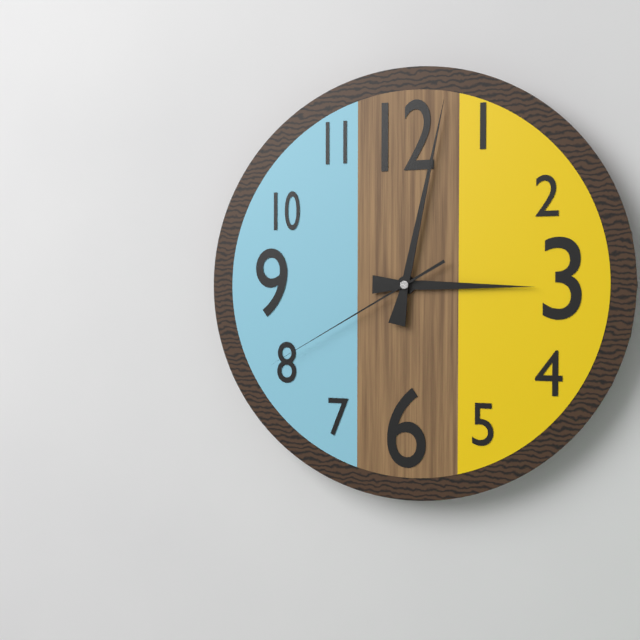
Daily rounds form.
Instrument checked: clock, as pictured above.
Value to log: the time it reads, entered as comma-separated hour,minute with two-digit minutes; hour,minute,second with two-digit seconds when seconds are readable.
3,02,40
